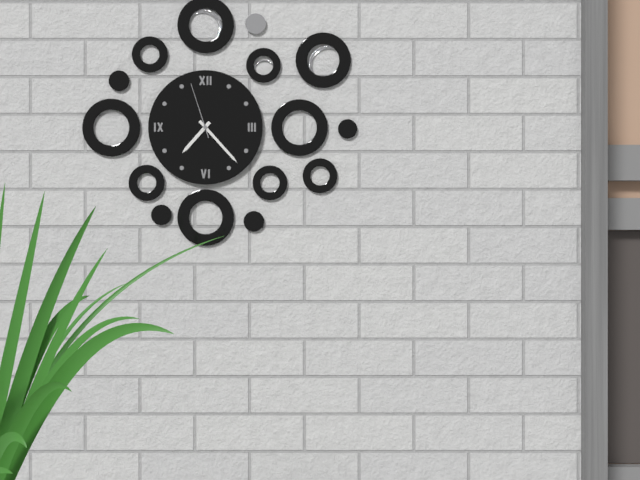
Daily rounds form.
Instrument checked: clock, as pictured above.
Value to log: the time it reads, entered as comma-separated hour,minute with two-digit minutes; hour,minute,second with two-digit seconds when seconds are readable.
7,23,57
